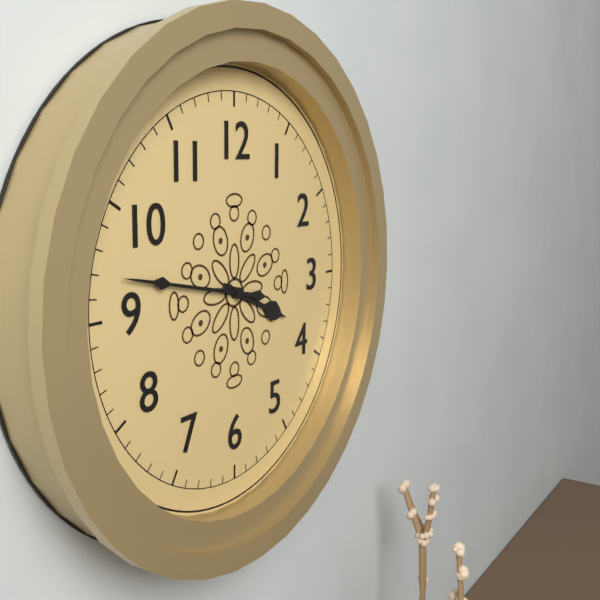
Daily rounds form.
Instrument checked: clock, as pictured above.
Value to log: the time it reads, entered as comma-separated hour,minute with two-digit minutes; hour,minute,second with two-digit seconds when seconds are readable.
3,47
